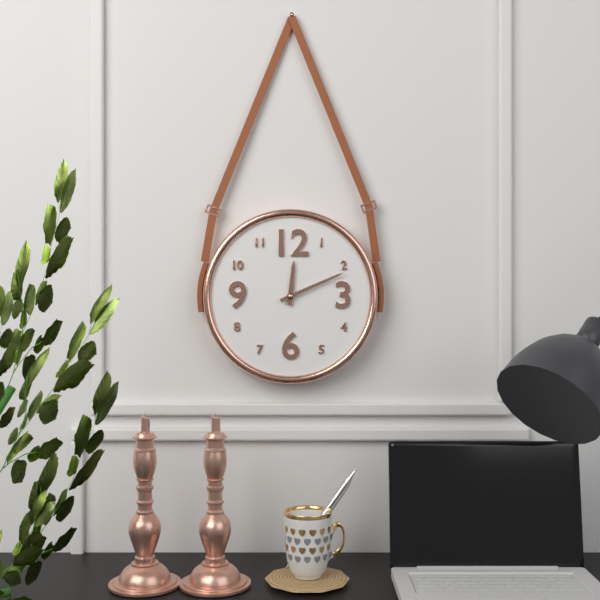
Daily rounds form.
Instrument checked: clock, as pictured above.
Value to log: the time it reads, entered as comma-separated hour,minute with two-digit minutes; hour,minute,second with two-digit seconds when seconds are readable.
12,11
